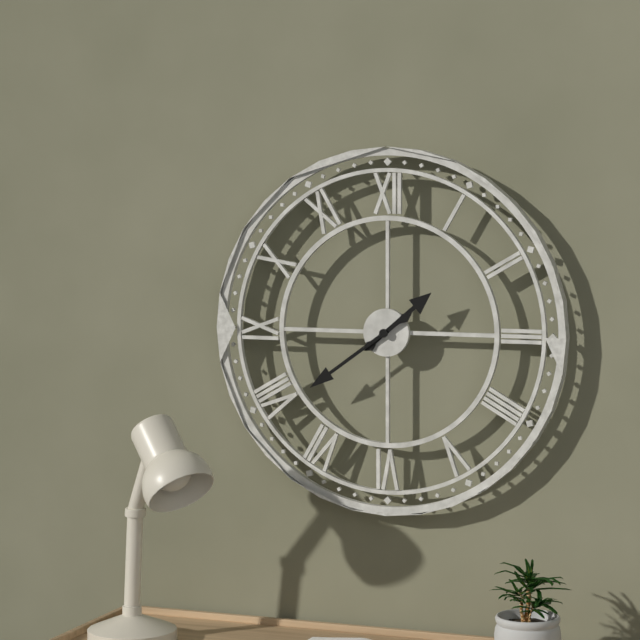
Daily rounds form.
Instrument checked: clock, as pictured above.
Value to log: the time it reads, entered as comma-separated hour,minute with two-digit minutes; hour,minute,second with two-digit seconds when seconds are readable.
1,39
